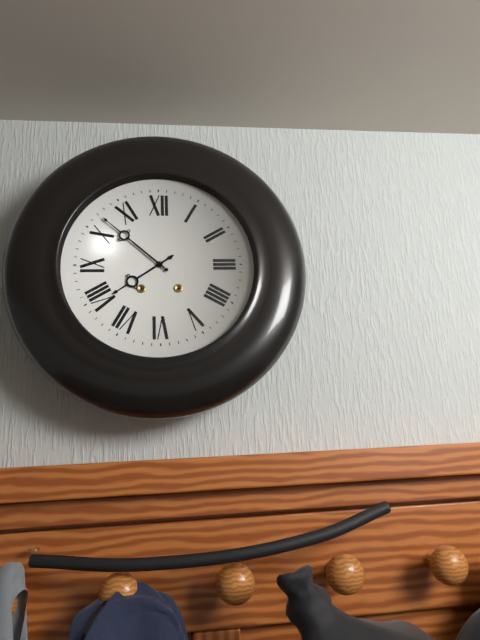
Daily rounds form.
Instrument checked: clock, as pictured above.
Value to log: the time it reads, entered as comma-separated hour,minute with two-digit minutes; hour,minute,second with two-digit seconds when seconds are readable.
7,52
